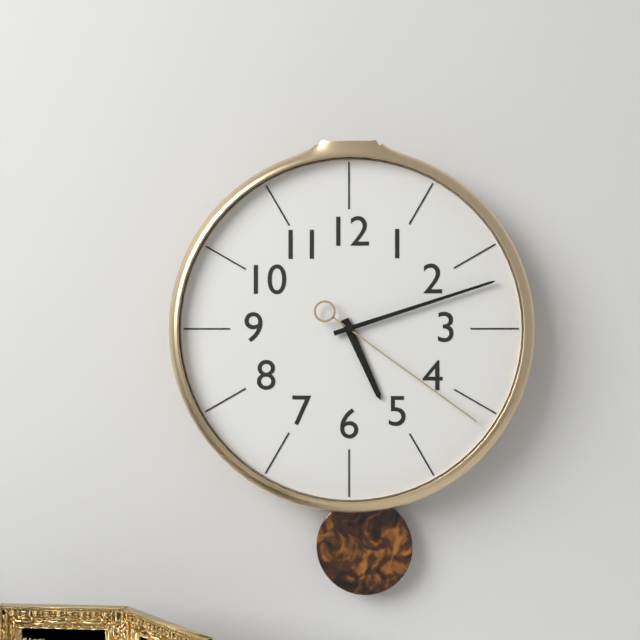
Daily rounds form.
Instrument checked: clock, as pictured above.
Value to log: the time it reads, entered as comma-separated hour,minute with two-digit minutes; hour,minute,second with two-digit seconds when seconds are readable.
5,12,21
